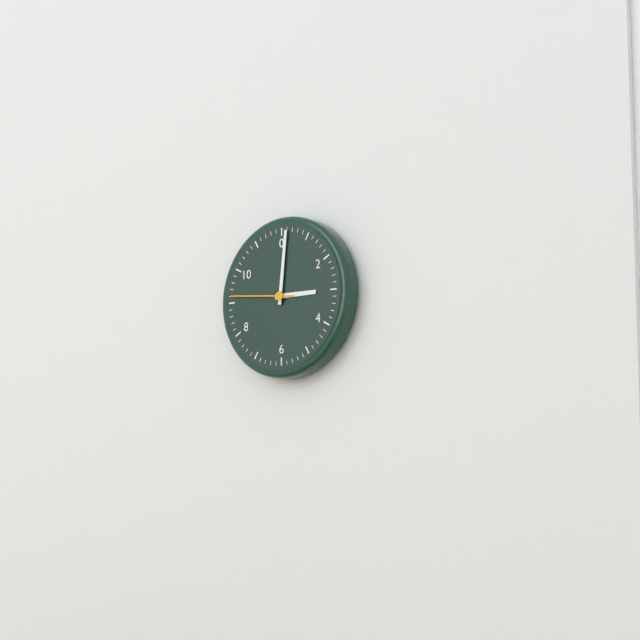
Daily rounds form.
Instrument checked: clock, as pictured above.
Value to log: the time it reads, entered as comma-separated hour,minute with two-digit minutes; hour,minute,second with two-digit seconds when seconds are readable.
3,01,46
